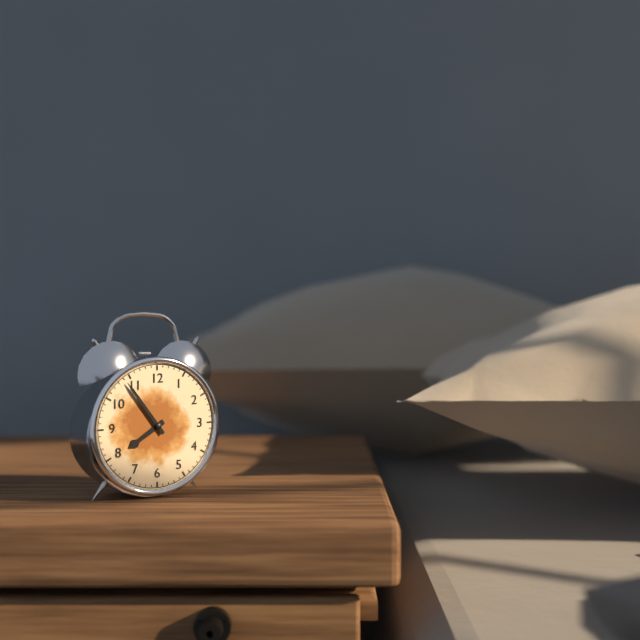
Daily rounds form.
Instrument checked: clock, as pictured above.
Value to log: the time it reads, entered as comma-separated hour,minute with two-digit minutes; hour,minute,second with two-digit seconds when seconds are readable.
7,54
